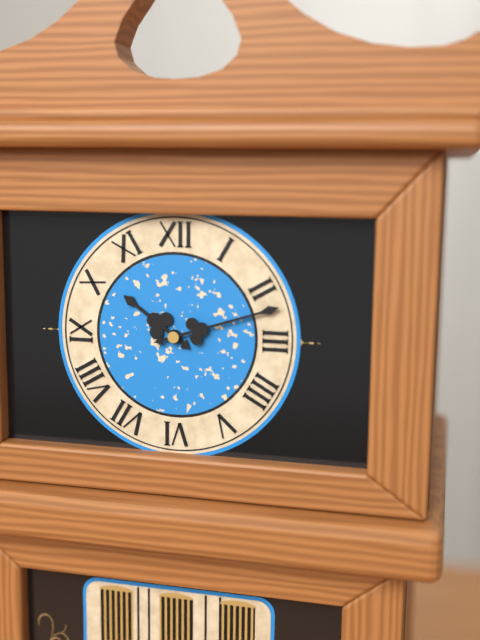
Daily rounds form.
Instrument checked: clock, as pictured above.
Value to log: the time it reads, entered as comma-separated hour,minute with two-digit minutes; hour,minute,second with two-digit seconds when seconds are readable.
10,12
